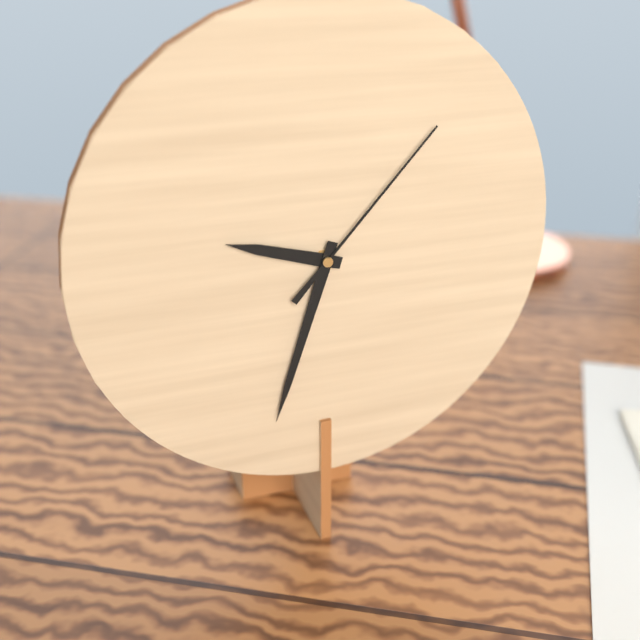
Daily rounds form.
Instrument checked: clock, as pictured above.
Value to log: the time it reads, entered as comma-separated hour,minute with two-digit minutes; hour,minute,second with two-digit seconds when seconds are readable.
9,33,07
